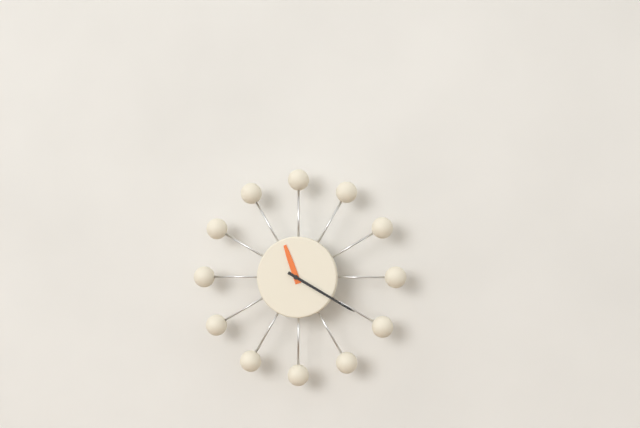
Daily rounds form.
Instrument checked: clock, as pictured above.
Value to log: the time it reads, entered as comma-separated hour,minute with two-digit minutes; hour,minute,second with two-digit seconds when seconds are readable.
11,20
